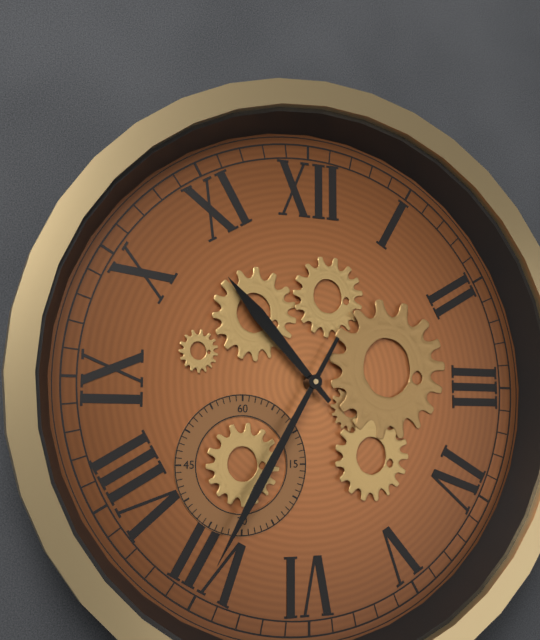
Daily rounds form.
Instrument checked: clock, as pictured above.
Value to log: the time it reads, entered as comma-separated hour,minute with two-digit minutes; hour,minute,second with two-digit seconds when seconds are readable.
10,35
